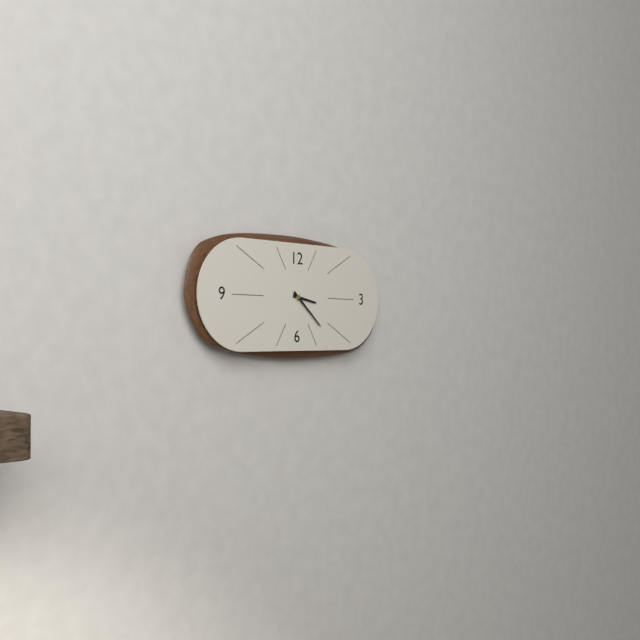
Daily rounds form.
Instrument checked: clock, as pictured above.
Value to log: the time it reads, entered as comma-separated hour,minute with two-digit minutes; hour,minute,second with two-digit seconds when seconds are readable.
3,22
